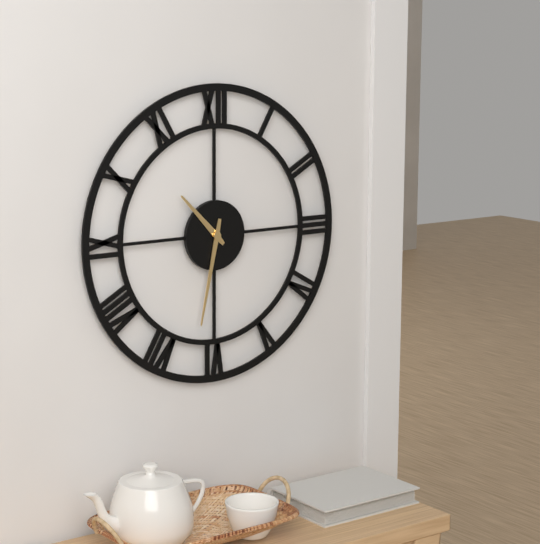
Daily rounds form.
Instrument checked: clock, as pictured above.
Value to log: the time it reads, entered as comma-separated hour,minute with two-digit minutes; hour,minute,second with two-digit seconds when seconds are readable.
10,32
